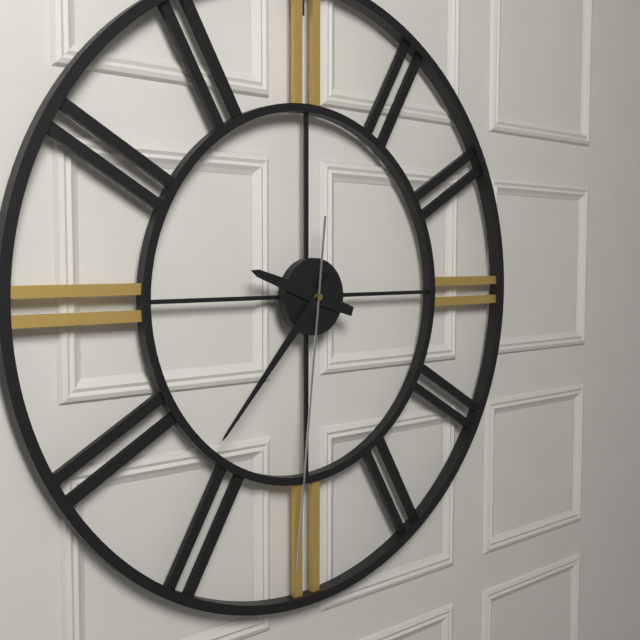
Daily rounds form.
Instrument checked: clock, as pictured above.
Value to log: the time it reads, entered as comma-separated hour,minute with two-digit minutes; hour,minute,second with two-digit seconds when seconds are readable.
9,37,31
